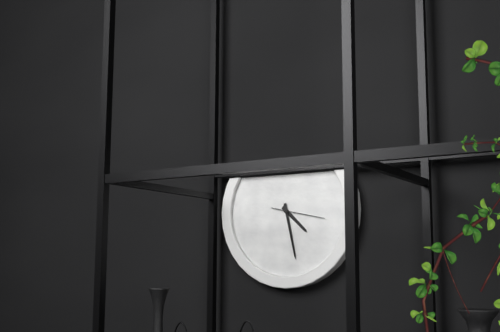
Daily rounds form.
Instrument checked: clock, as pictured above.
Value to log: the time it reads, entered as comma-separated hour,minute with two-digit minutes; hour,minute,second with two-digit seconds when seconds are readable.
4,28
